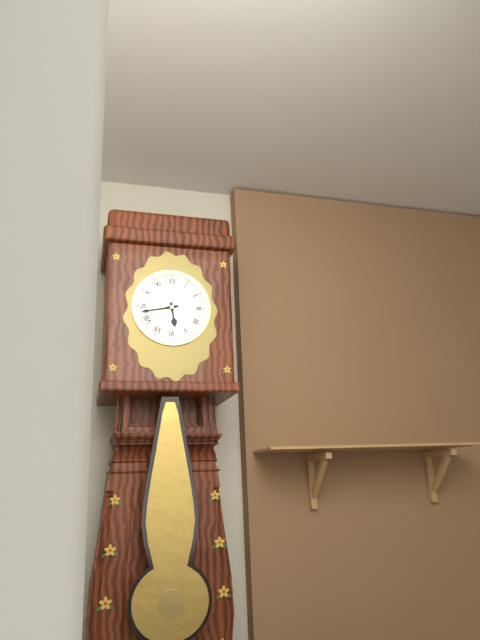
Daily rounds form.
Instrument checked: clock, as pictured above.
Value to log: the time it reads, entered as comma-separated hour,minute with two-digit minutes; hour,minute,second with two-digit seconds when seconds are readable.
5,43
